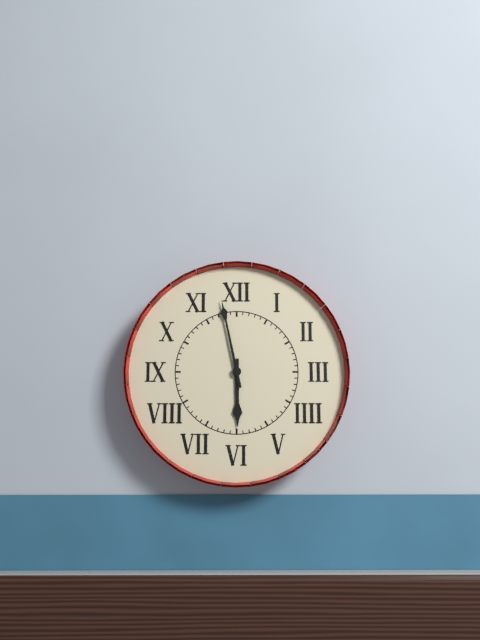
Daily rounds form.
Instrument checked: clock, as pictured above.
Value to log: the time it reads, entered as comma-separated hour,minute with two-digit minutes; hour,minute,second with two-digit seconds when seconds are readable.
5,58
